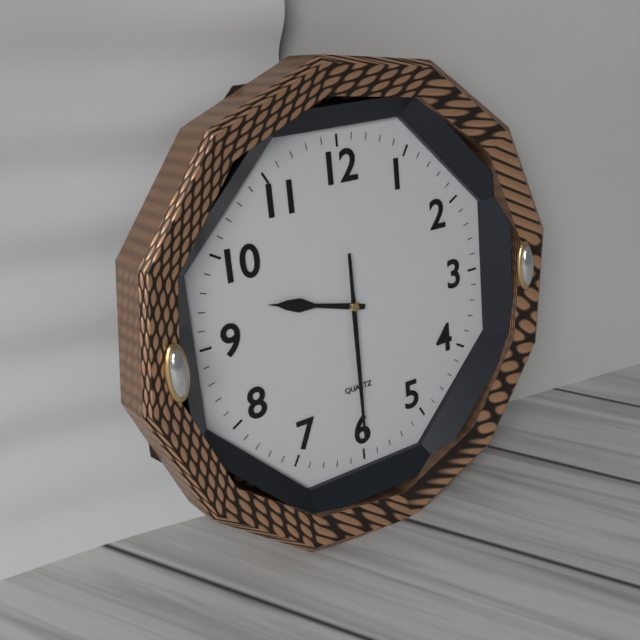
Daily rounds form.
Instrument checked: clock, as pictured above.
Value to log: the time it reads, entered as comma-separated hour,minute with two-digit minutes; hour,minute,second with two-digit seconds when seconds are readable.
9,30
